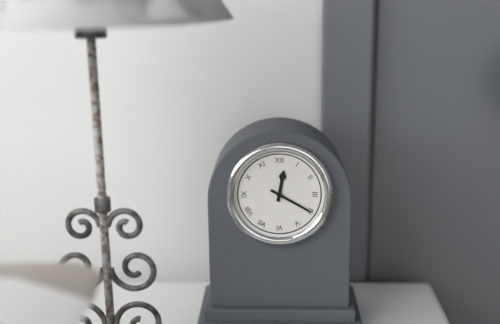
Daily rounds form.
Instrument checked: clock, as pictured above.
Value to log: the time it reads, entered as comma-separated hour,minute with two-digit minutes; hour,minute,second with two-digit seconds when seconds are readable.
12,20
